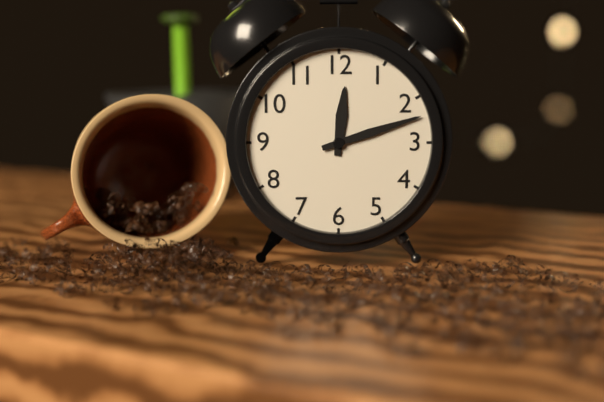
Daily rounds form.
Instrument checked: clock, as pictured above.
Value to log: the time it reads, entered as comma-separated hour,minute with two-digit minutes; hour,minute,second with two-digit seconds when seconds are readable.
12,12
